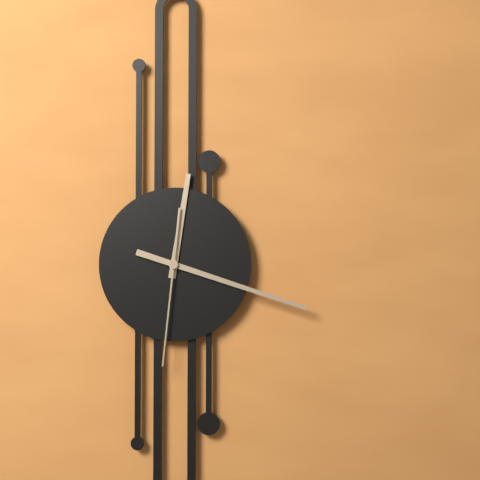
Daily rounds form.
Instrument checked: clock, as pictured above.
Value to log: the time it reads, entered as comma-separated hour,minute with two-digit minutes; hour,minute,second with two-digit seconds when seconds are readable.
12,18,31
